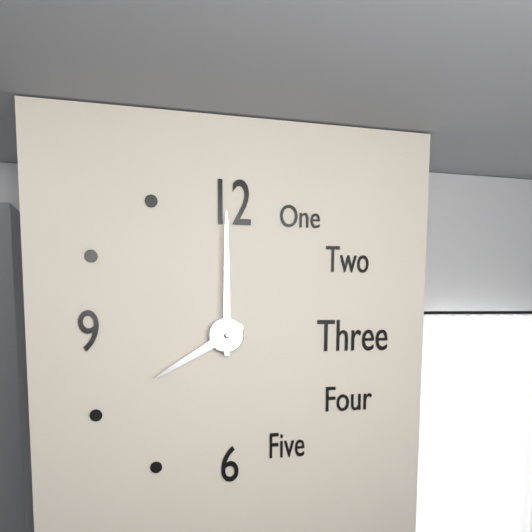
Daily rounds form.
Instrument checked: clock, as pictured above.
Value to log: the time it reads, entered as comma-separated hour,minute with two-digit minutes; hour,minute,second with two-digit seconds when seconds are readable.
8,00
